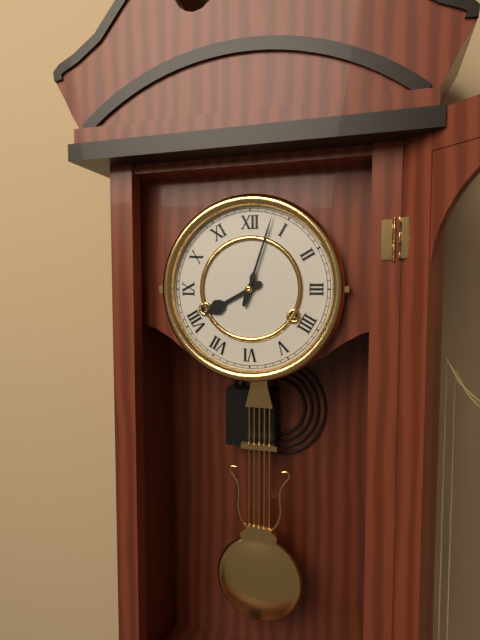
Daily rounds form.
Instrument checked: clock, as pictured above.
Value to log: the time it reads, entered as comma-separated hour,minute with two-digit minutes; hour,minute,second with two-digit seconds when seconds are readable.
8,03
